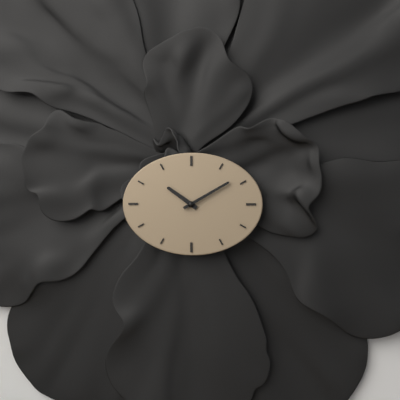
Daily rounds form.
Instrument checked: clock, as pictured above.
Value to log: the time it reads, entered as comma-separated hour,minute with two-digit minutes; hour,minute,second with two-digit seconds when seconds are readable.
10,10
